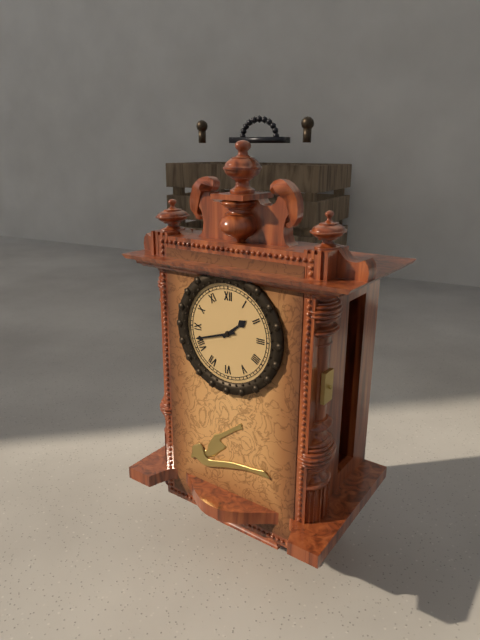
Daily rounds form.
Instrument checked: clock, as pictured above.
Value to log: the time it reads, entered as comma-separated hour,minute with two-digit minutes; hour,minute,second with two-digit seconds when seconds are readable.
1,42
